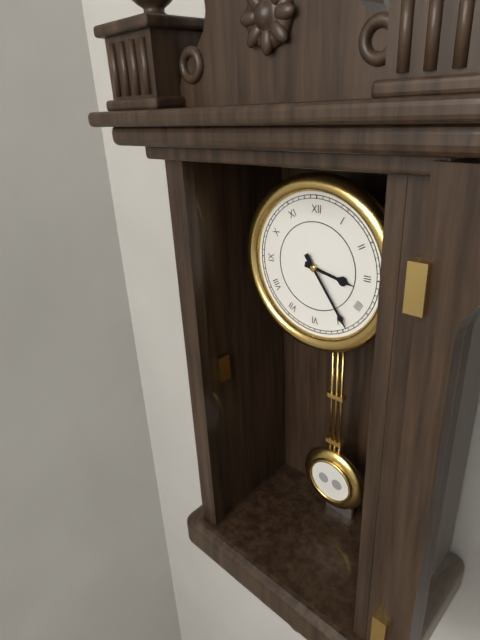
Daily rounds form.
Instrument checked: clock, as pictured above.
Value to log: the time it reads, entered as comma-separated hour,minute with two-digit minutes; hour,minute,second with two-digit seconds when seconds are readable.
3,24
